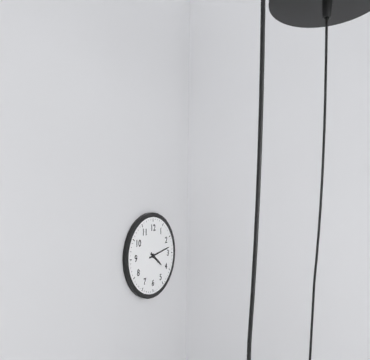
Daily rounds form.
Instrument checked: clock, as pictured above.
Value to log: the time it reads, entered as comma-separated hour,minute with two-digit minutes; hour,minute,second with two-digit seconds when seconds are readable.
4,13
